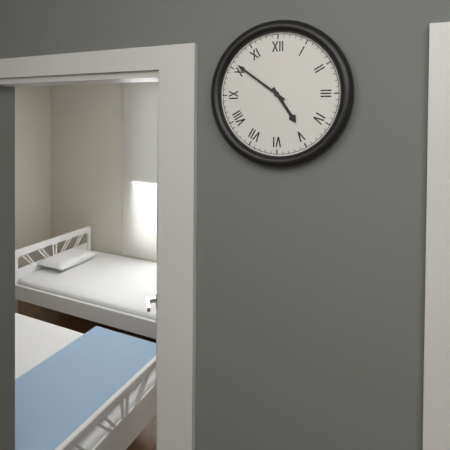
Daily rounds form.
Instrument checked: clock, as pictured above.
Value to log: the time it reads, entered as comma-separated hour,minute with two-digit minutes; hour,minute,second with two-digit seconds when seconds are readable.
4,51
